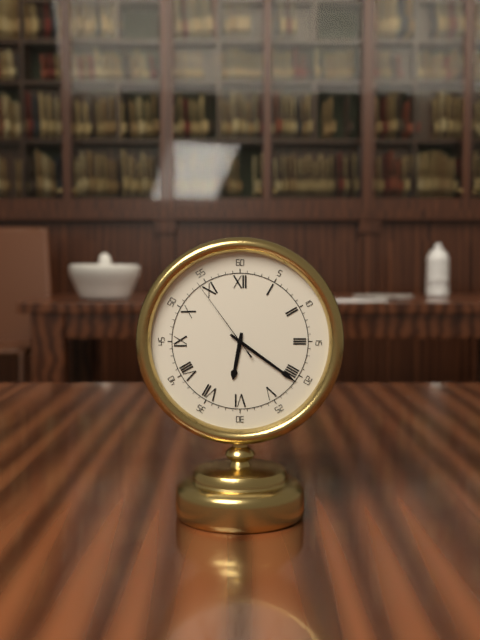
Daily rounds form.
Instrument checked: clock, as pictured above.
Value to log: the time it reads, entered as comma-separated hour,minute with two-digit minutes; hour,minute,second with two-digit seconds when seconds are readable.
6,21,54
